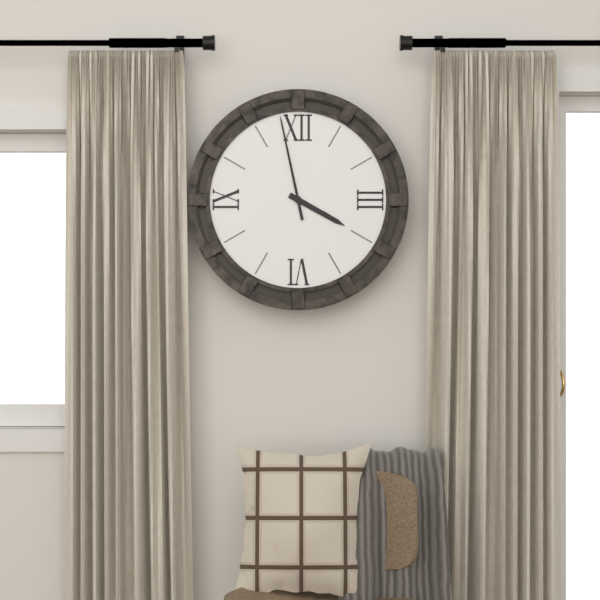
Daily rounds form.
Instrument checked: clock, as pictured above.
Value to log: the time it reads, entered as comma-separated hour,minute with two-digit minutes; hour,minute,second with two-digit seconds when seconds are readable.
3,58
